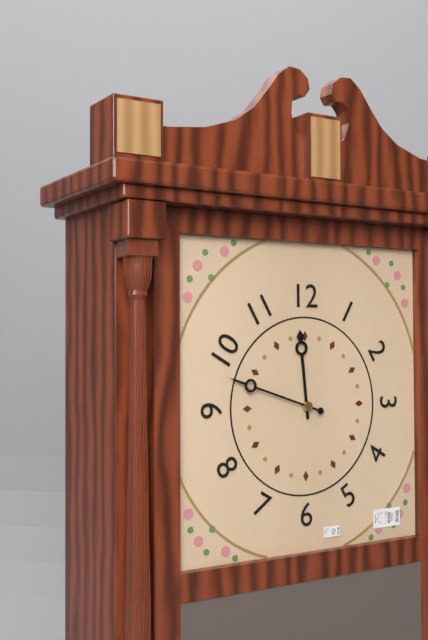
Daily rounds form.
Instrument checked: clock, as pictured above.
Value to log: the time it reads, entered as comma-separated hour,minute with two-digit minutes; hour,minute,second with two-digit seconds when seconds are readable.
11,48
